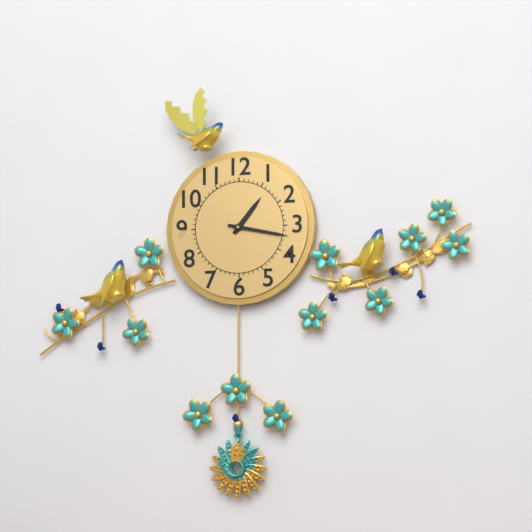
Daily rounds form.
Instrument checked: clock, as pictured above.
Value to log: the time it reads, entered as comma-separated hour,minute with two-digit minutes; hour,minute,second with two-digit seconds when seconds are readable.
1,17
